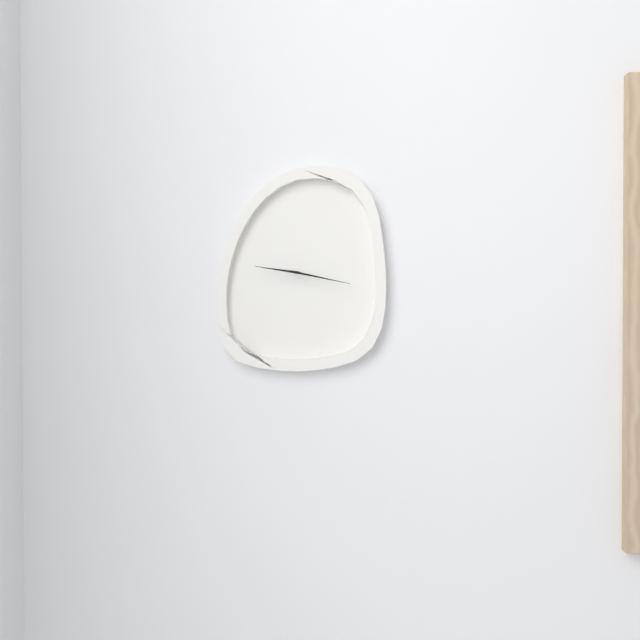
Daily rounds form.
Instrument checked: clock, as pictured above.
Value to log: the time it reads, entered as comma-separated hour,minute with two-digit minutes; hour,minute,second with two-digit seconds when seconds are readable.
9,17
